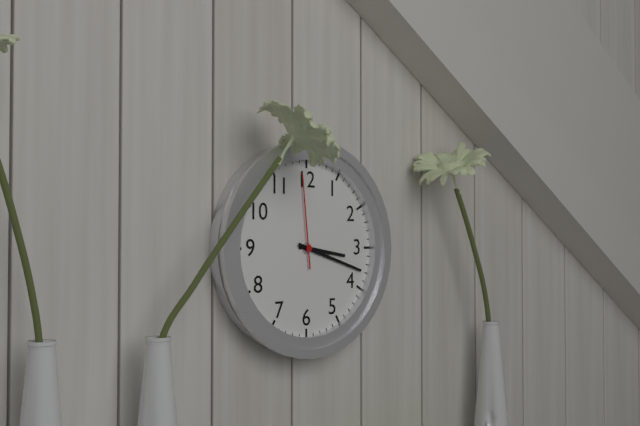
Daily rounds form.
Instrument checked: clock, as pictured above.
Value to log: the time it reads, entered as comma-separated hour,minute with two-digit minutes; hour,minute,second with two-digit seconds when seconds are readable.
3,18,59
